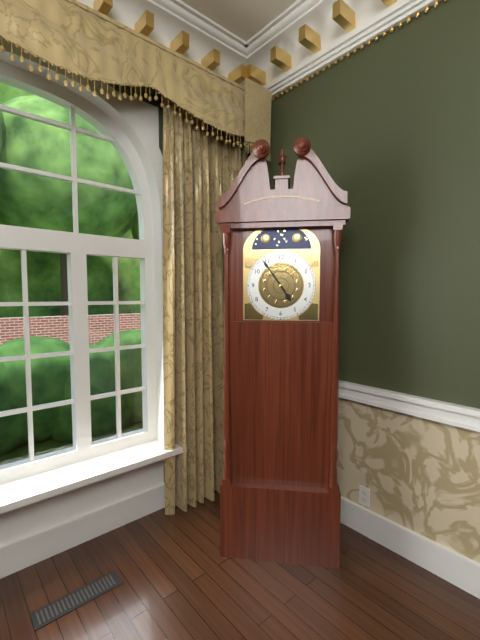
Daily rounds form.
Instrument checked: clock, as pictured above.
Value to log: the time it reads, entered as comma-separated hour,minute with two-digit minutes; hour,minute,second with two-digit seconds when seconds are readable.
4,54
